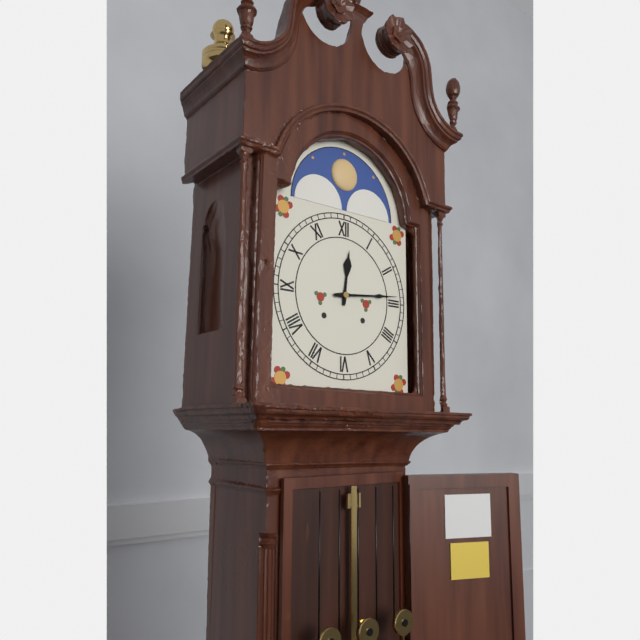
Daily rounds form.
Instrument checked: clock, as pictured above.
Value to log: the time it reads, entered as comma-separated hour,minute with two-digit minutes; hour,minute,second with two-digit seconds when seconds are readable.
12,14
